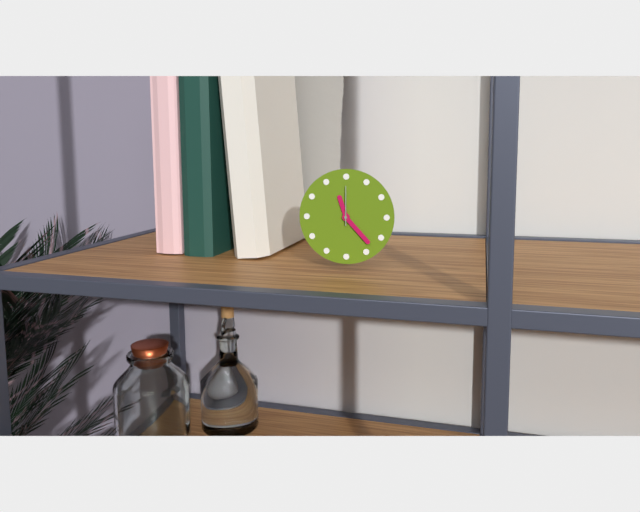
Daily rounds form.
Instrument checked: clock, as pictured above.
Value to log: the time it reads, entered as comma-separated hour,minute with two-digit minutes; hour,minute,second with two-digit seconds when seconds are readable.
11,23
